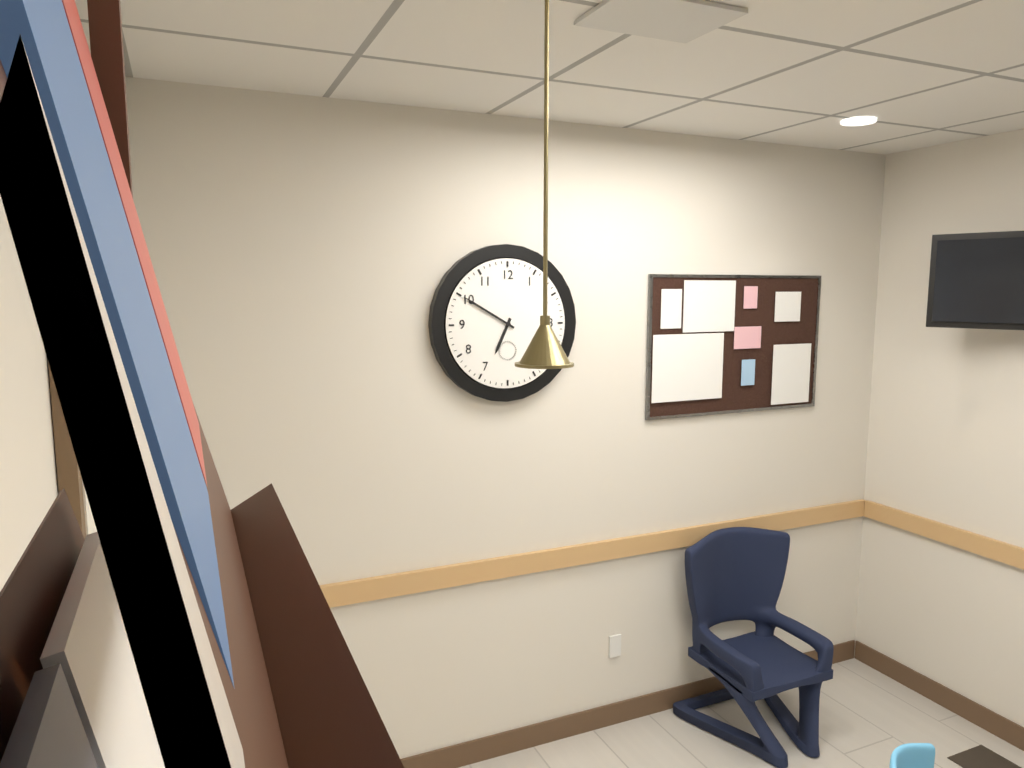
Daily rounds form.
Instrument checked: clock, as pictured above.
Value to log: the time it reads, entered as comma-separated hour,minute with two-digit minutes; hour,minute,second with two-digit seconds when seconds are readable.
6,50
